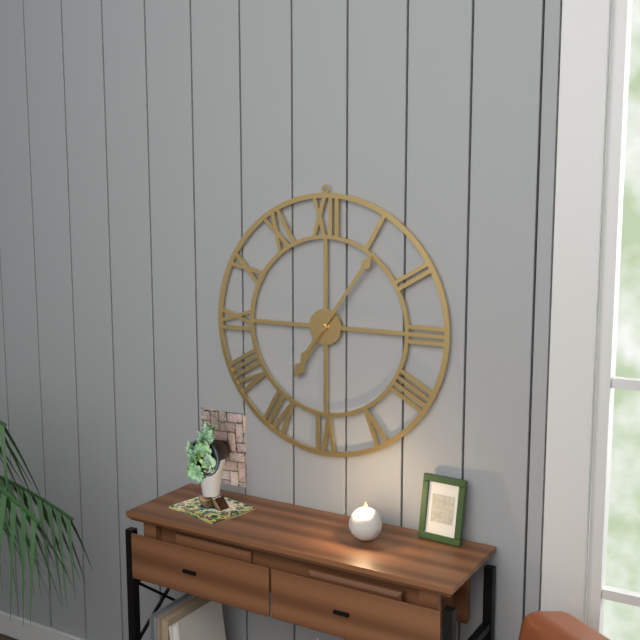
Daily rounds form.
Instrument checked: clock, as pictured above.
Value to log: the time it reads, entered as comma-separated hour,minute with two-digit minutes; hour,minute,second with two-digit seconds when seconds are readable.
7,06
